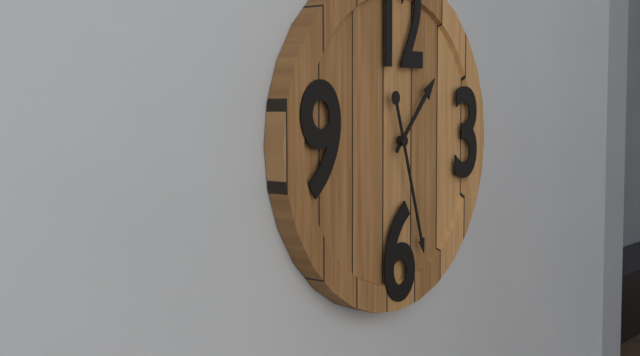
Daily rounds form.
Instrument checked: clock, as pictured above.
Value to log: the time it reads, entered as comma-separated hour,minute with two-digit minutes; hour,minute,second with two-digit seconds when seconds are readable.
1,27
